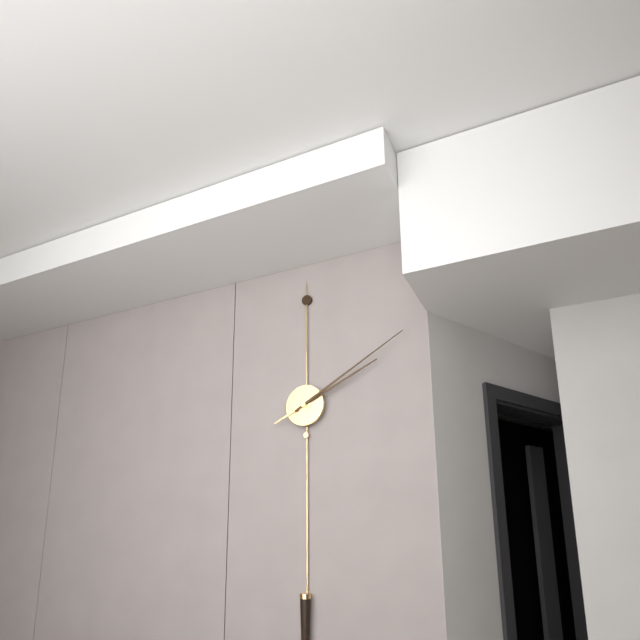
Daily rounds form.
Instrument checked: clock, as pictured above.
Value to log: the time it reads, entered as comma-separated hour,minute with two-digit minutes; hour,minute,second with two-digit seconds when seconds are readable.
2,10
